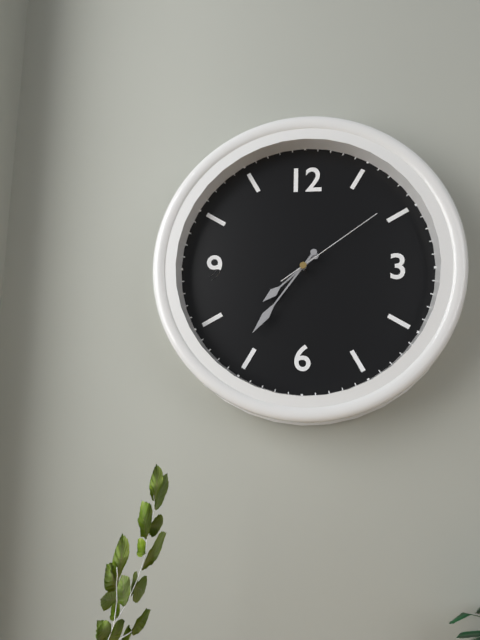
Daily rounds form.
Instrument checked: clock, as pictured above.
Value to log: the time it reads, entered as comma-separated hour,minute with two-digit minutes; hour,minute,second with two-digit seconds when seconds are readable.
7,36,09
